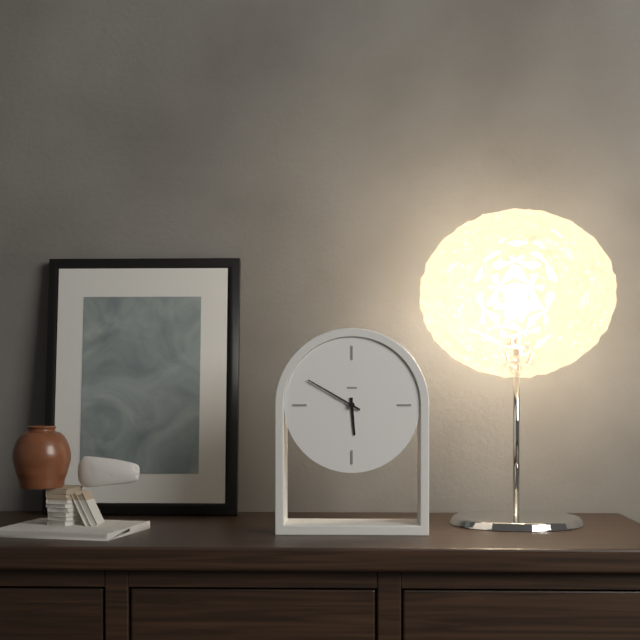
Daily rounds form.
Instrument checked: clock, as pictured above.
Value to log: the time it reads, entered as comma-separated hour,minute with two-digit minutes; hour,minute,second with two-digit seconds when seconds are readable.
5,50
